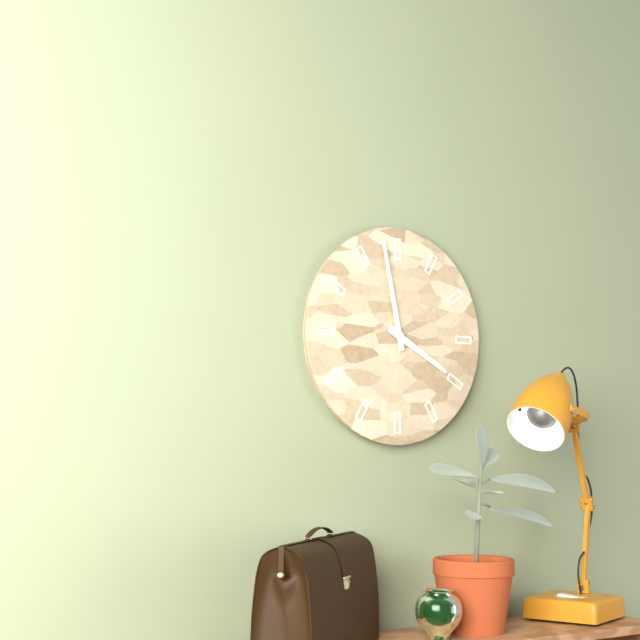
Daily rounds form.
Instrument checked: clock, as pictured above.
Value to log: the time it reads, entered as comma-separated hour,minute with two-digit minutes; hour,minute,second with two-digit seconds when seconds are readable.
3,58
